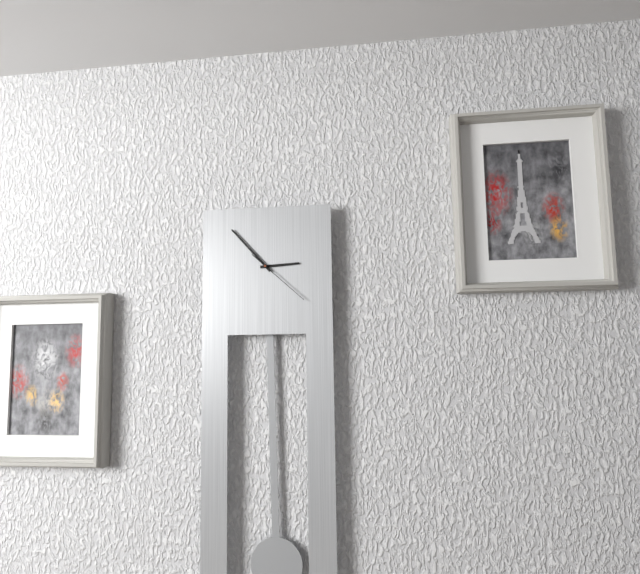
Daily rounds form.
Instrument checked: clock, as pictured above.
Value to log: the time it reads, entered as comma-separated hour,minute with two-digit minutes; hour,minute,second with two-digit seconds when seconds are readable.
2,53,22
